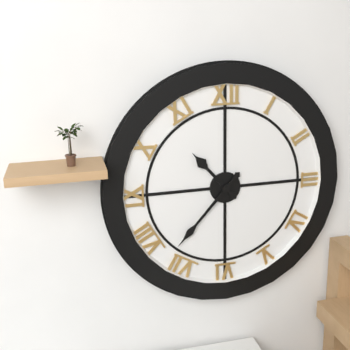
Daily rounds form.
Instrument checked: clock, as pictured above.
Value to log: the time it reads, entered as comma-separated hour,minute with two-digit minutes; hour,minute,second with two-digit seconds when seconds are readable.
10,37
